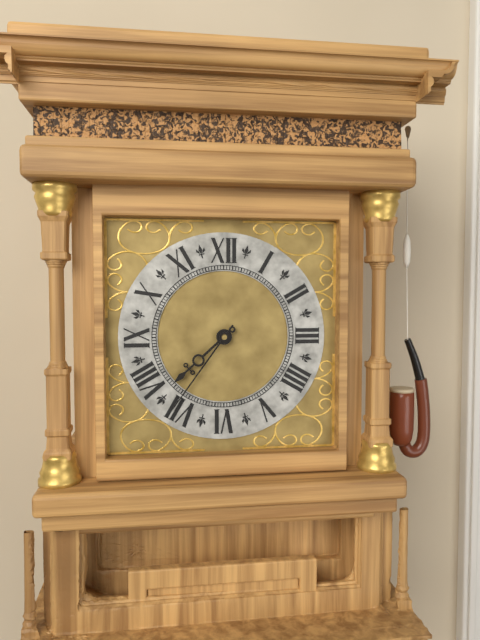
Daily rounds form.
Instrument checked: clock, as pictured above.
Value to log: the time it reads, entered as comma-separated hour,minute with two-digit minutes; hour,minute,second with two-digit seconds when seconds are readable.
7,36
